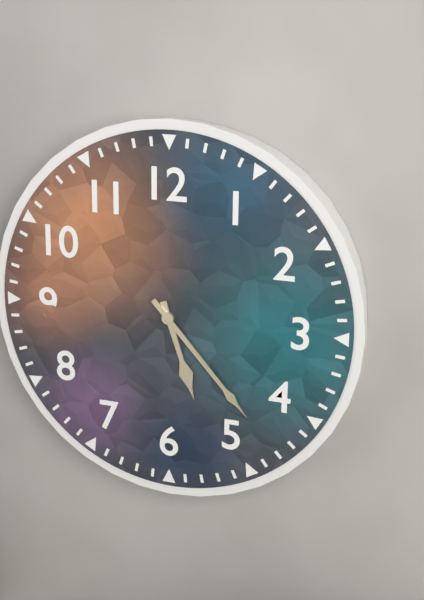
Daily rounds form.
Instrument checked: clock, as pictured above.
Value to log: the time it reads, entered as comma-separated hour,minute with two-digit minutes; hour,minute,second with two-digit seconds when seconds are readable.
5,23
